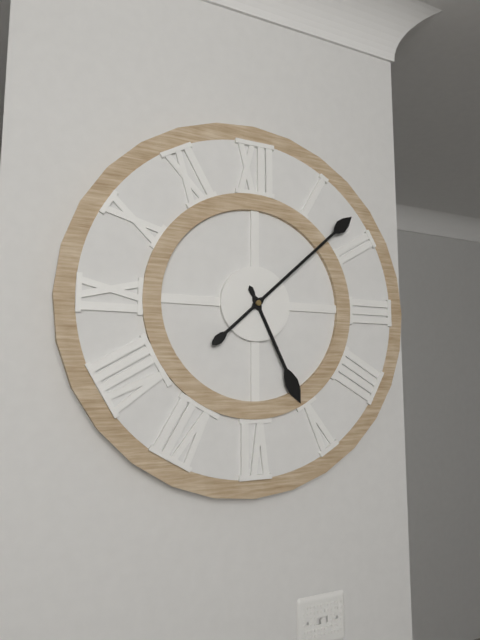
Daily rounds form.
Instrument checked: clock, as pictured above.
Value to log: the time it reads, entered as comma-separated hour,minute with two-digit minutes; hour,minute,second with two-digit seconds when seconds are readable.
5,08
